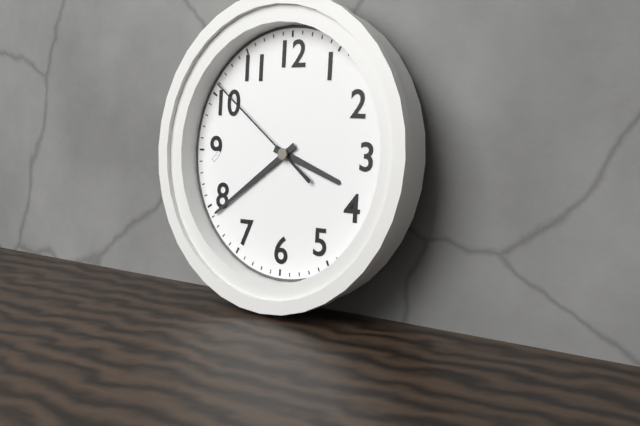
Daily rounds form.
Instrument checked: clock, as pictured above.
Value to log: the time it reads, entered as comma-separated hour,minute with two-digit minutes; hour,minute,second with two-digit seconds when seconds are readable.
3,39,51
